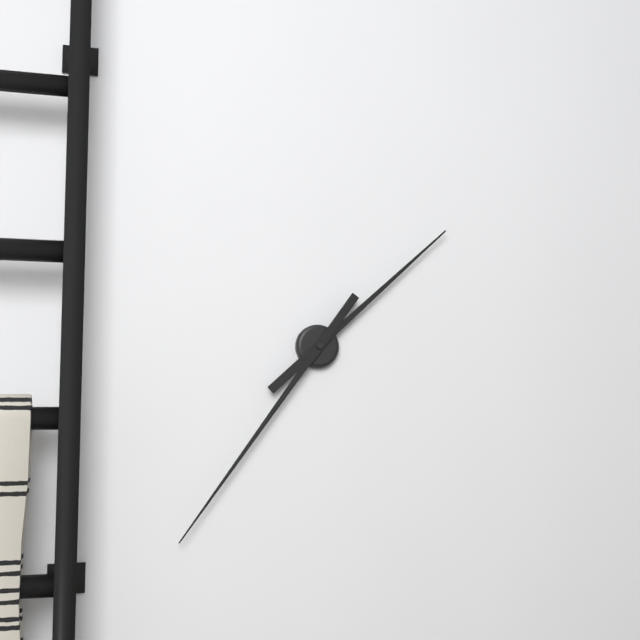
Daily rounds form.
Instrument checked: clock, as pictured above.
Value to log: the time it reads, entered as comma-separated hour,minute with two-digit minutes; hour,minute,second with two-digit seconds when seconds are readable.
1,36
